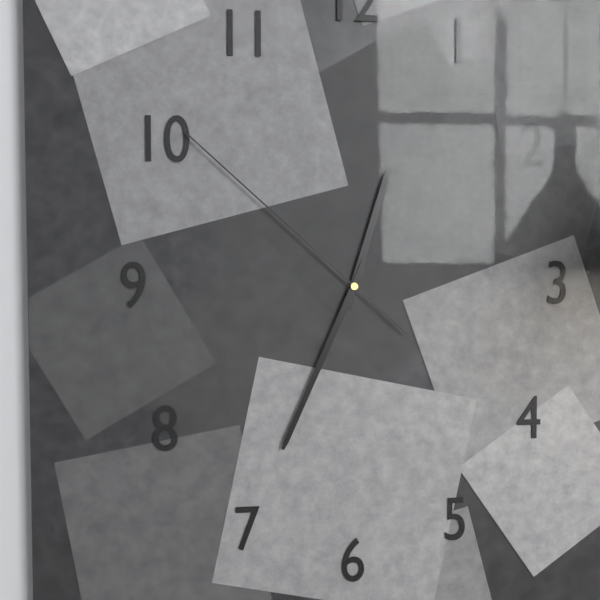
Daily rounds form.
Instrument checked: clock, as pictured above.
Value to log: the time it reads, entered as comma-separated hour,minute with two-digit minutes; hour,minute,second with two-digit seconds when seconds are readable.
12,34,52
